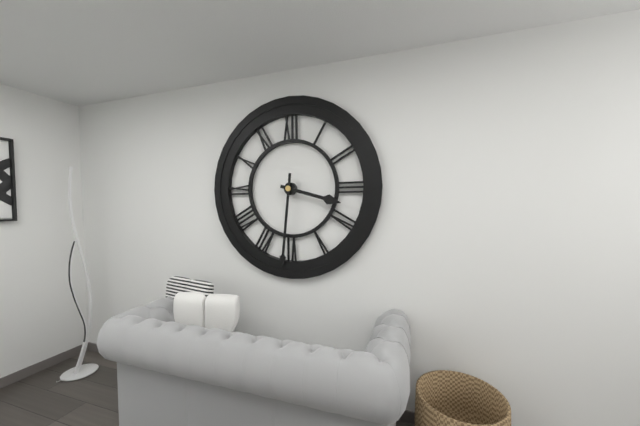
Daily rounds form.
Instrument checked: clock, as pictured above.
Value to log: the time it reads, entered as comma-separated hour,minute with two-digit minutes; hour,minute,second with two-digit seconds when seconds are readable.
3,31
